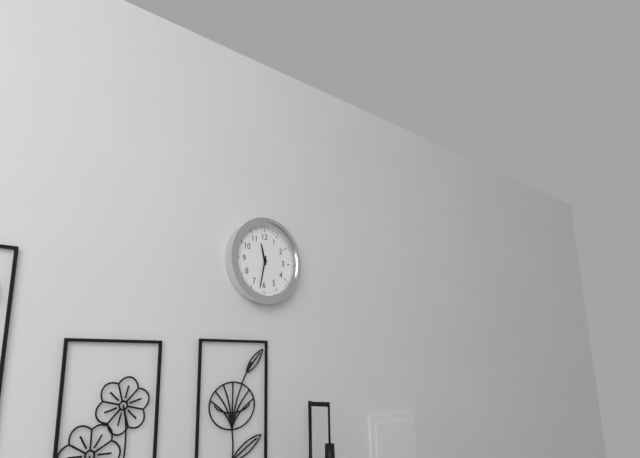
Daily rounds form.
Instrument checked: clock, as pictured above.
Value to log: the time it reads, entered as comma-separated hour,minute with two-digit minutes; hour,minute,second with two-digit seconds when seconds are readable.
11,32
